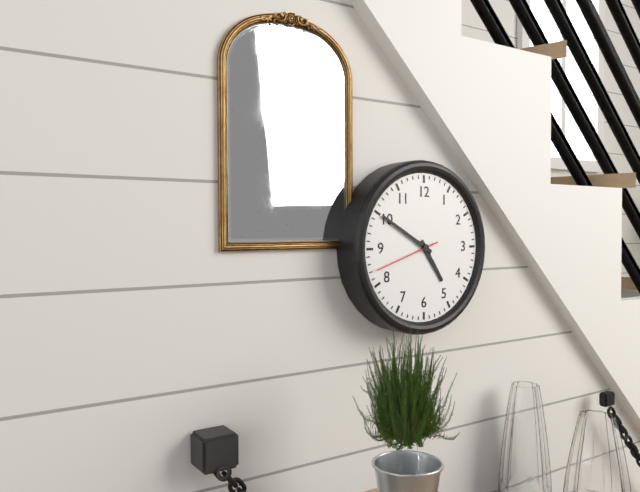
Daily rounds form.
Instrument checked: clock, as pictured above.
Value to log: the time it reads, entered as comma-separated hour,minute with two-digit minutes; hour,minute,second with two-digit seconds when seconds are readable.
4,50
